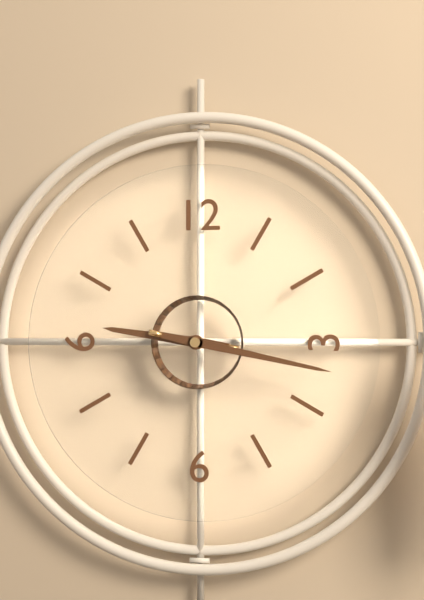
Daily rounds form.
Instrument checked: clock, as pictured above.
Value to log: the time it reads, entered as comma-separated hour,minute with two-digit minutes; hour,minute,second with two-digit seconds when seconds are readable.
9,17
